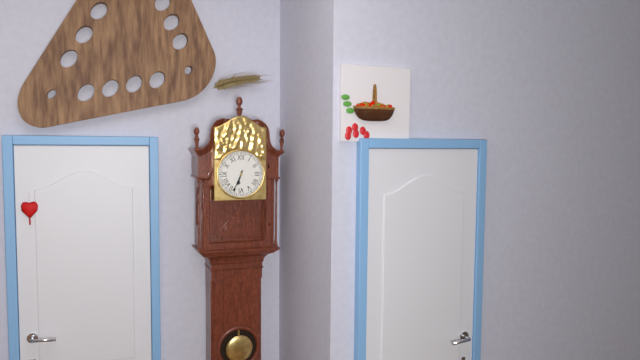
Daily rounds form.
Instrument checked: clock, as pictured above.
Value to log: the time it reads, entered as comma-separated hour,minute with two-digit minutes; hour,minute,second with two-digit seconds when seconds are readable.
6,34
